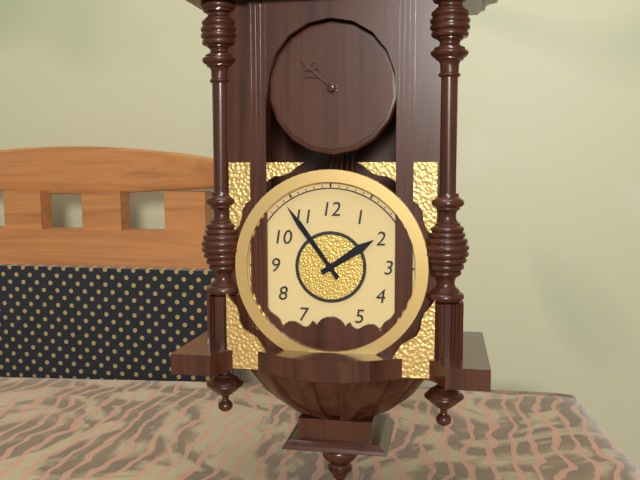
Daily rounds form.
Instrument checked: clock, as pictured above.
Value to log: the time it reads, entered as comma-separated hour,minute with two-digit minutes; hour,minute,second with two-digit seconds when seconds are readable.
1,54
